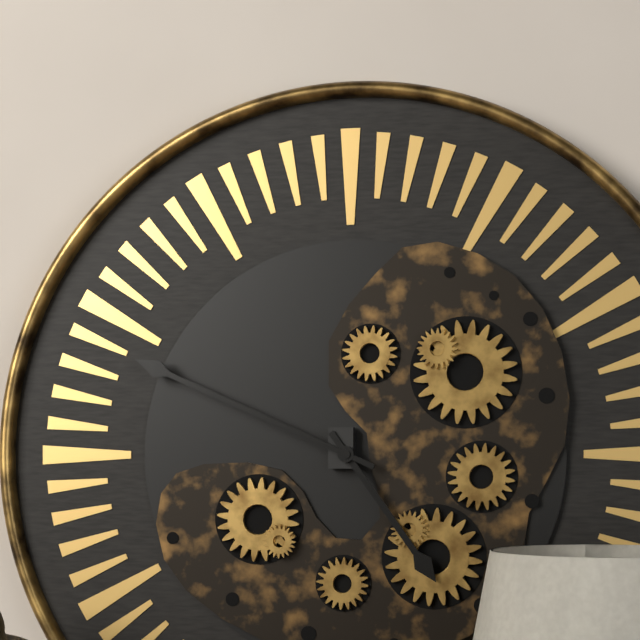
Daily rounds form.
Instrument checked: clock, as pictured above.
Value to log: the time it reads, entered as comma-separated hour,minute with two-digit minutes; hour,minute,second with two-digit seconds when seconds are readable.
4,49
